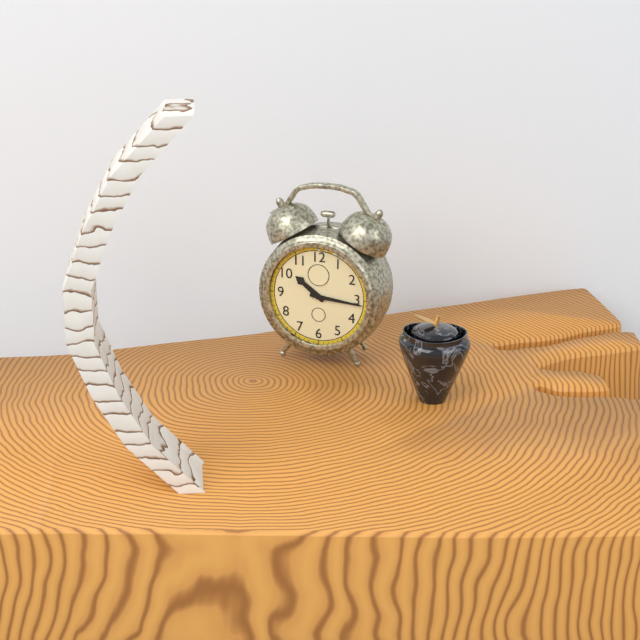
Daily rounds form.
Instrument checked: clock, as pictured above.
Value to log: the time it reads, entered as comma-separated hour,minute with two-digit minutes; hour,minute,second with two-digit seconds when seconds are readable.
10,16
